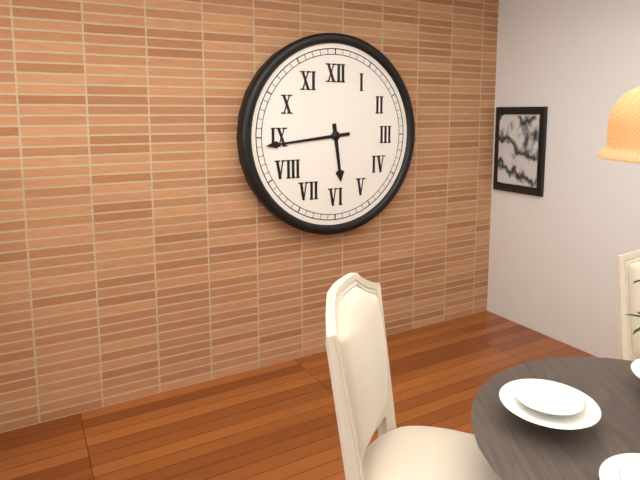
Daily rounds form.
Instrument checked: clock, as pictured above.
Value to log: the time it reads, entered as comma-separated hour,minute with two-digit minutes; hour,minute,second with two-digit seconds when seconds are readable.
5,44
